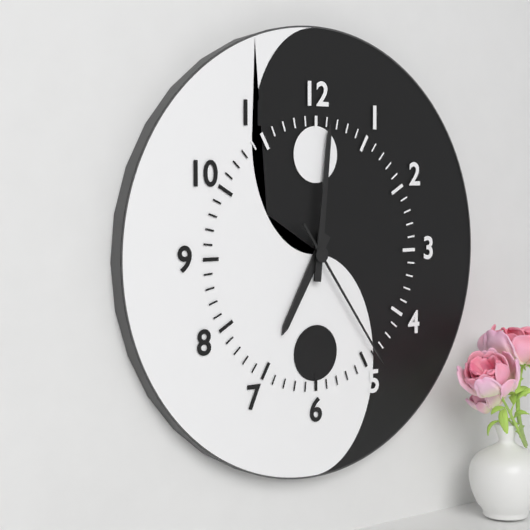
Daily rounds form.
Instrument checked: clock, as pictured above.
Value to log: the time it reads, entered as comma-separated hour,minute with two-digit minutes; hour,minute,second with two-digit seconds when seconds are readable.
7,01,24
